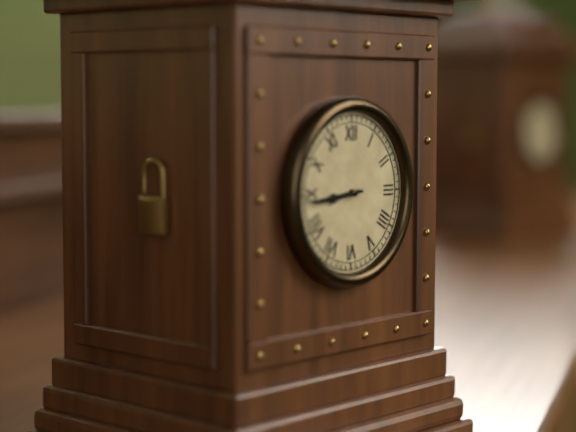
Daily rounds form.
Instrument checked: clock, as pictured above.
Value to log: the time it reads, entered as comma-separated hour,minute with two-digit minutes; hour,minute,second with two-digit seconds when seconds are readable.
8,44
